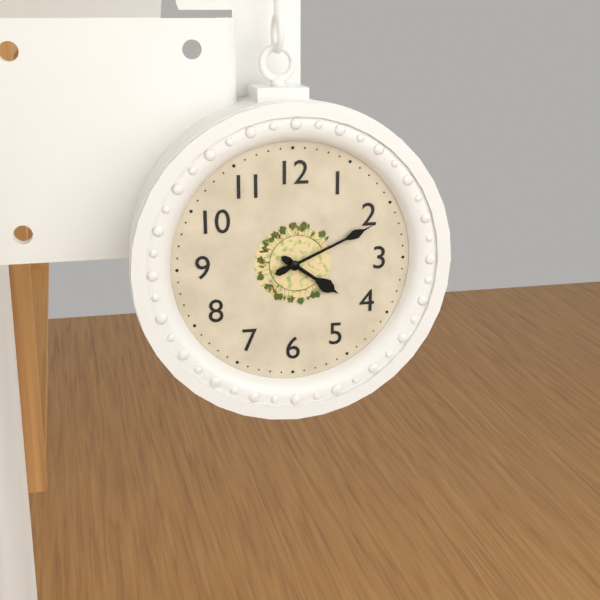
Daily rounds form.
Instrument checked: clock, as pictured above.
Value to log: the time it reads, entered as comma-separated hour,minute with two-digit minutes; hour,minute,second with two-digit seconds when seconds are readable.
4,11
